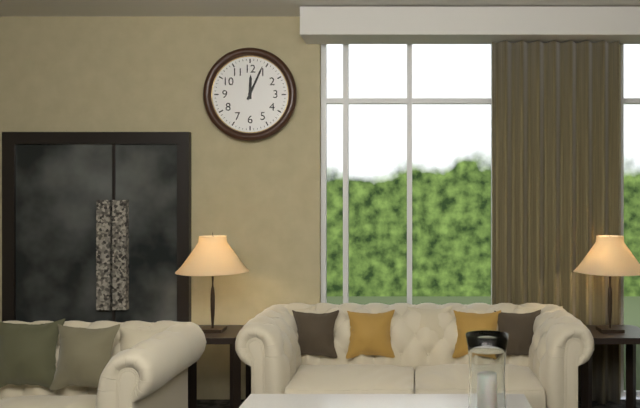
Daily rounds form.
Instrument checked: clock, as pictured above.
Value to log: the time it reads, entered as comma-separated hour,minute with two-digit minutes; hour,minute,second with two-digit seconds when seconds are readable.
12,04
